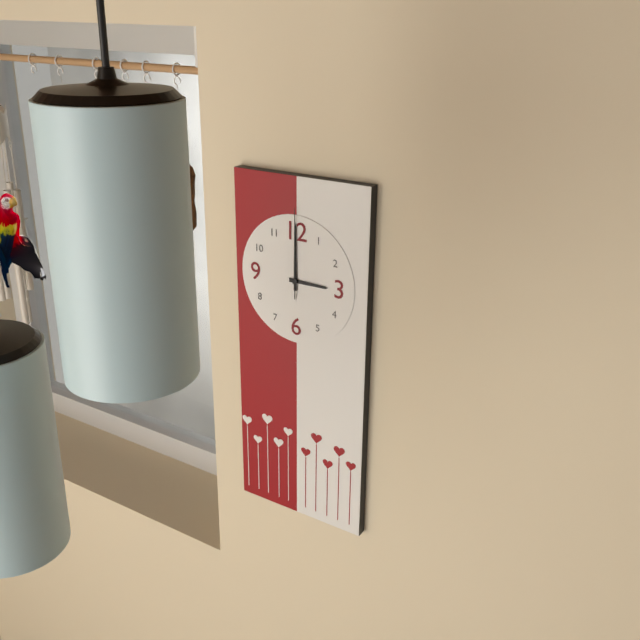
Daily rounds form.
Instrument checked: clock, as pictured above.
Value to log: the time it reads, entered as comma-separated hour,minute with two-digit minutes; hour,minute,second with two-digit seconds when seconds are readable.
3,00,00
